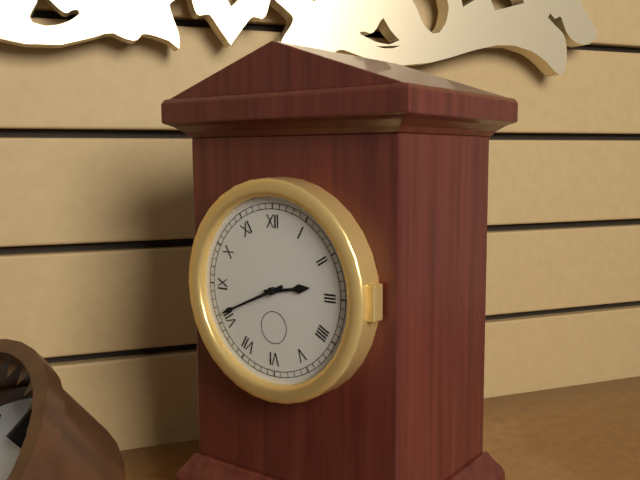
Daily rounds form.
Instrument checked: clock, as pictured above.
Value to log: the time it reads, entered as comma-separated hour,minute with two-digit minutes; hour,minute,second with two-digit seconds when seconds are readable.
2,41
